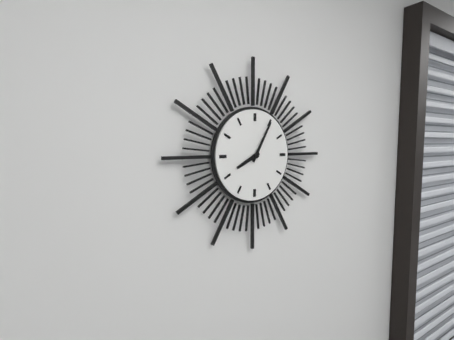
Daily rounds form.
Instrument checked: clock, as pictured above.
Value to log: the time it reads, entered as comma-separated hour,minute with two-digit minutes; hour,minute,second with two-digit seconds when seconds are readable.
8,05
